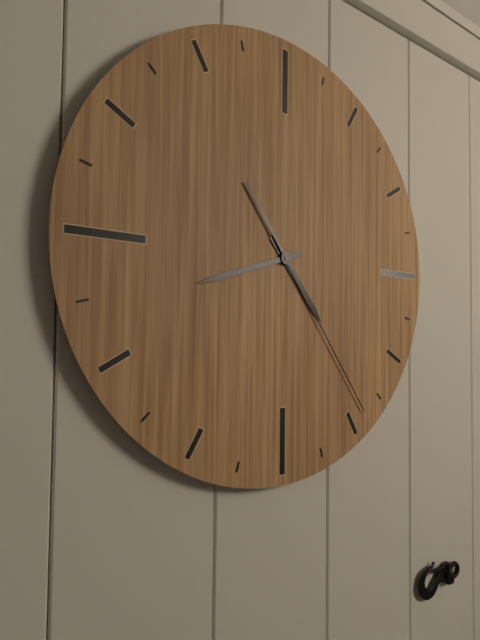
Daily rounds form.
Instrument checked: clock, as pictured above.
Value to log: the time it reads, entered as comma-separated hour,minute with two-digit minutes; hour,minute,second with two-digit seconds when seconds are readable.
4,42,24
